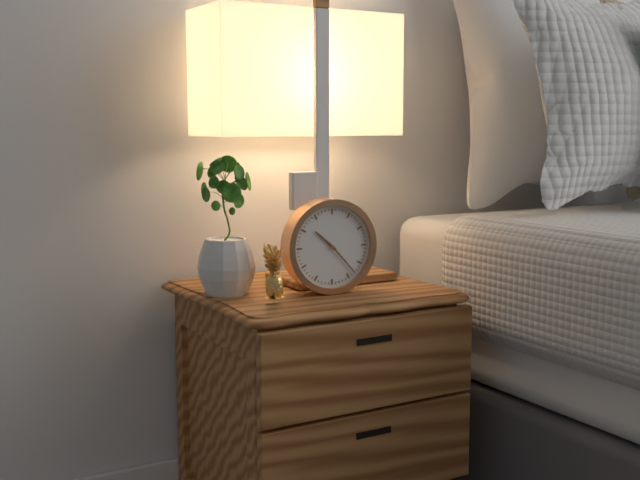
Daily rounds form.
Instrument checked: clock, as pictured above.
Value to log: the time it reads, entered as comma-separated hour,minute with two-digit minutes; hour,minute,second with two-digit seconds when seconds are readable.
10,23
